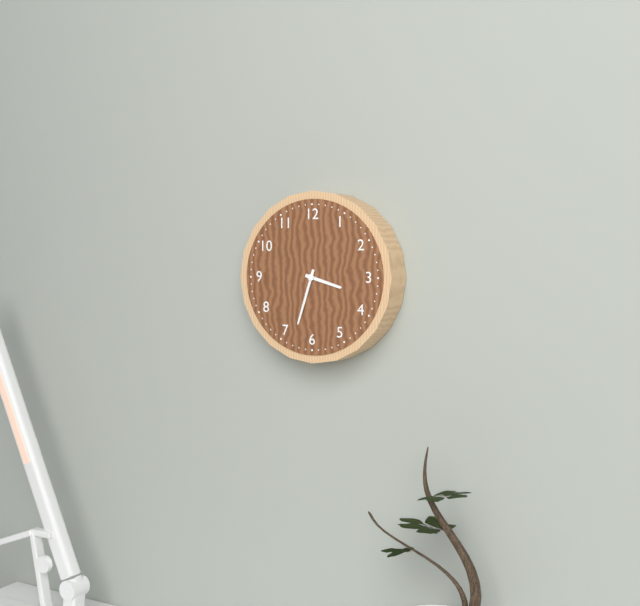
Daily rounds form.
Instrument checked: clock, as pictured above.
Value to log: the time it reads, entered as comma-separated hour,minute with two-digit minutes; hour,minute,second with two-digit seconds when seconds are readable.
3,33
